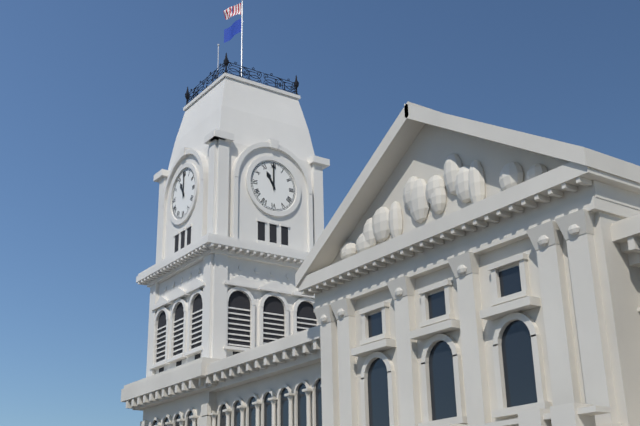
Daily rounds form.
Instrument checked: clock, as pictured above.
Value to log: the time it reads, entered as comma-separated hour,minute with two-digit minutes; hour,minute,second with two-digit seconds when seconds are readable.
11,00
